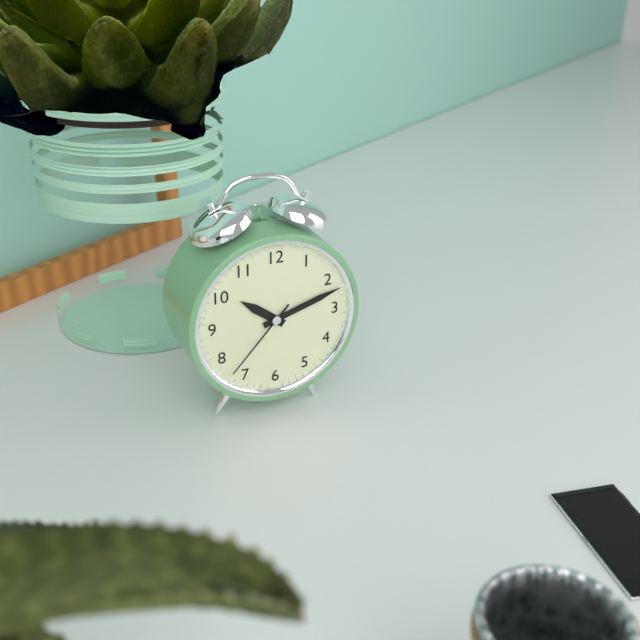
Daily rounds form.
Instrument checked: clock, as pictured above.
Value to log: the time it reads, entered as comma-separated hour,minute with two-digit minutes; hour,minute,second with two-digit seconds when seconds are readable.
10,12,37
